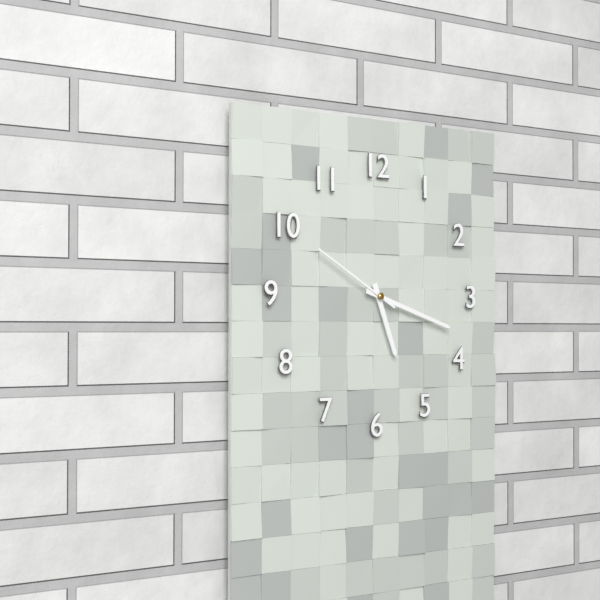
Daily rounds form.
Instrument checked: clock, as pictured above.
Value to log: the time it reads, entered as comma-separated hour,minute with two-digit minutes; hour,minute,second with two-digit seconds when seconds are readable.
5,18,50
